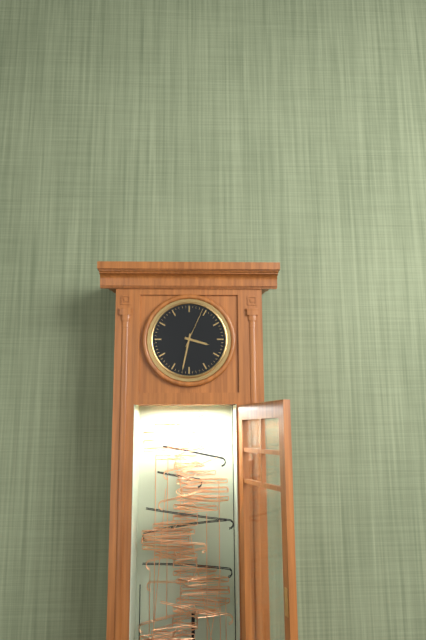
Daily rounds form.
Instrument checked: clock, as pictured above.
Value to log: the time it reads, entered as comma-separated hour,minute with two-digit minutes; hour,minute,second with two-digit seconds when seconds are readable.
3,32
